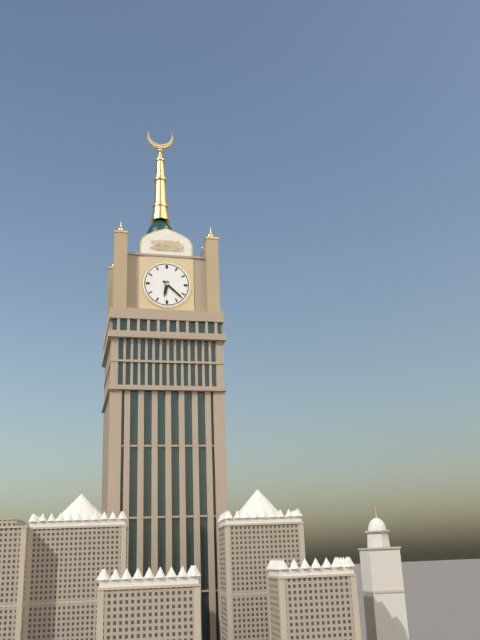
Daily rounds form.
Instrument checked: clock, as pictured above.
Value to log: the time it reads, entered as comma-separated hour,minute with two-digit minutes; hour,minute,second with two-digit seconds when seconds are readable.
6,22
